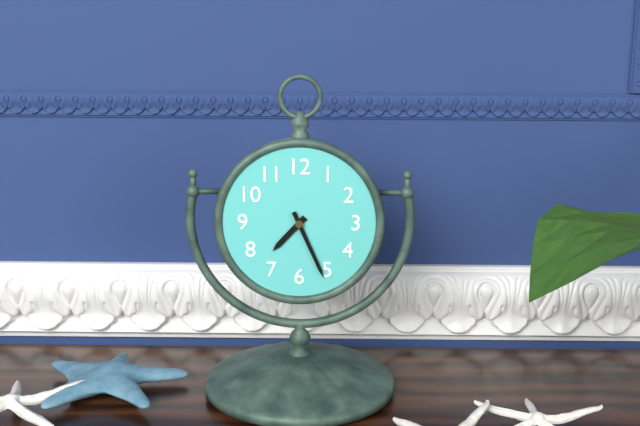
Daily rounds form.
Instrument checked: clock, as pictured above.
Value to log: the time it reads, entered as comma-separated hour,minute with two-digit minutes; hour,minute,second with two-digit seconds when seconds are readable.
7,26
